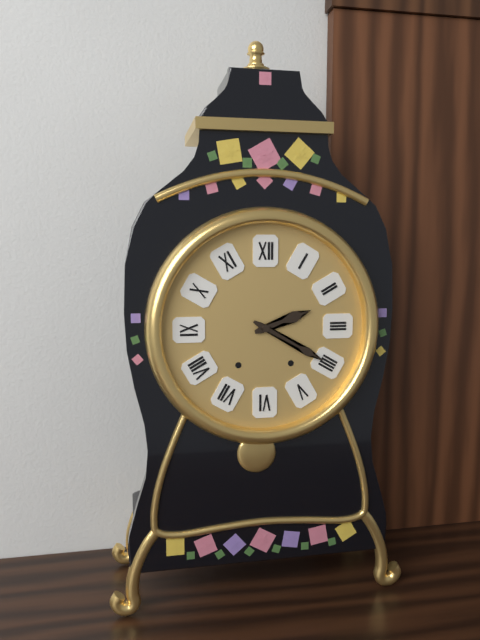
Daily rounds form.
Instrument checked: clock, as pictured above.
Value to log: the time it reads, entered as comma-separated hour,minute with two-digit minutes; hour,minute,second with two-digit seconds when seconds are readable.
2,20
